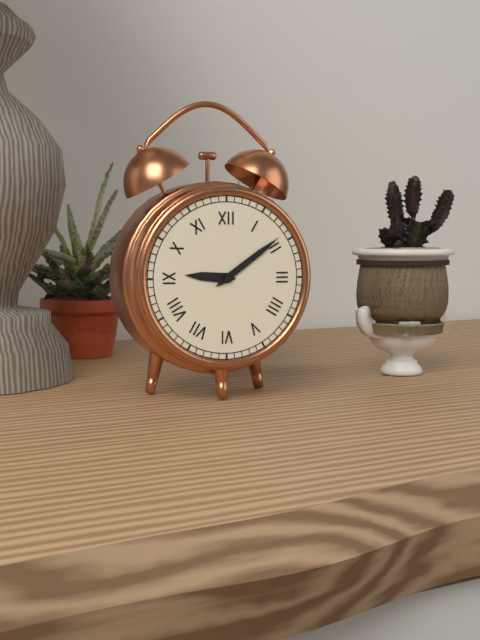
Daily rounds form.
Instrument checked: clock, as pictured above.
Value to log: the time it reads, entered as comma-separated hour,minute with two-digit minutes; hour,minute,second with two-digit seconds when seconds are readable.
9,09
